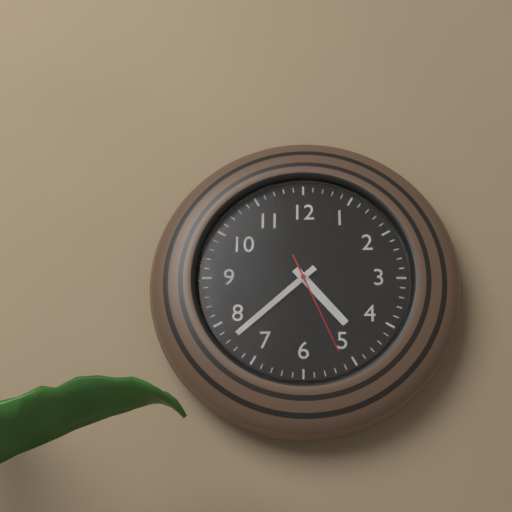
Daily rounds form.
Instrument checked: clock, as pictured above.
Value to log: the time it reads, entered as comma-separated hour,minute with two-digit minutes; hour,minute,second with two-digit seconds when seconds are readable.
4,38,26
